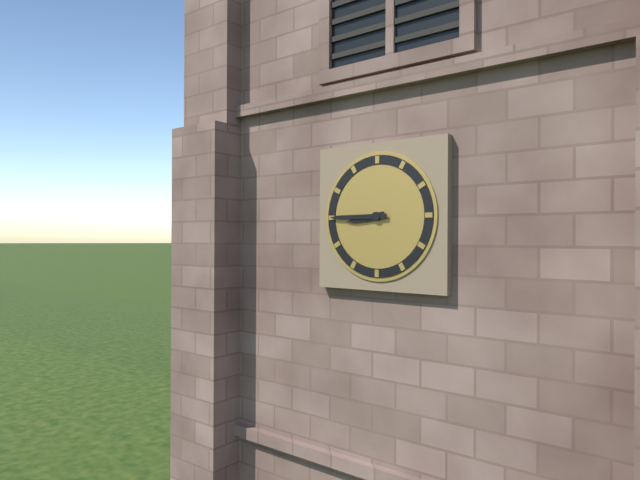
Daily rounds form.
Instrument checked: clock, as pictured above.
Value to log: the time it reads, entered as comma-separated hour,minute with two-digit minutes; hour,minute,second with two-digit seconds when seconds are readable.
8,45
